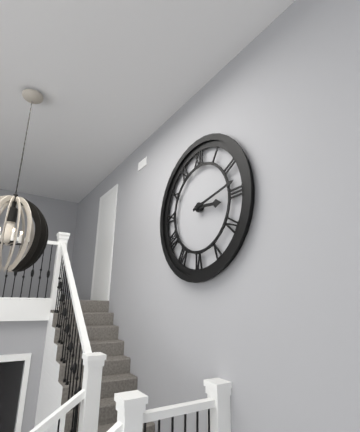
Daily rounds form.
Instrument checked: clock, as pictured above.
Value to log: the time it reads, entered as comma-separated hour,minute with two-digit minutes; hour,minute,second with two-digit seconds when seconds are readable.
3,13
